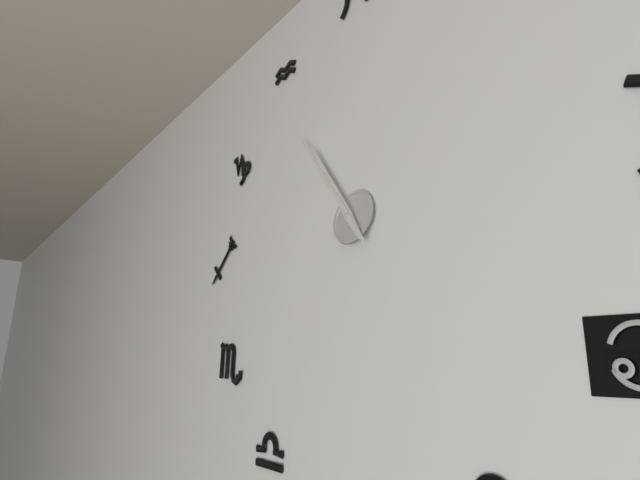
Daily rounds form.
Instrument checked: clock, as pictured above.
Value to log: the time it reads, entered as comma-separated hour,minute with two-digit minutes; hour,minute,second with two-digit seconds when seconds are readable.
10,54
